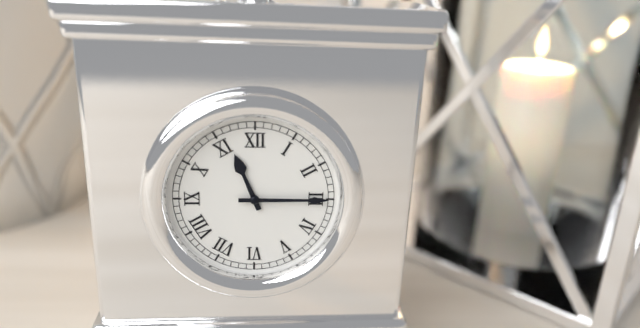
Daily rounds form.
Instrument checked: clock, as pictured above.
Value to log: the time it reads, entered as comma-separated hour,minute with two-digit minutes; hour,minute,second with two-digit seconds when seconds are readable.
11,15
